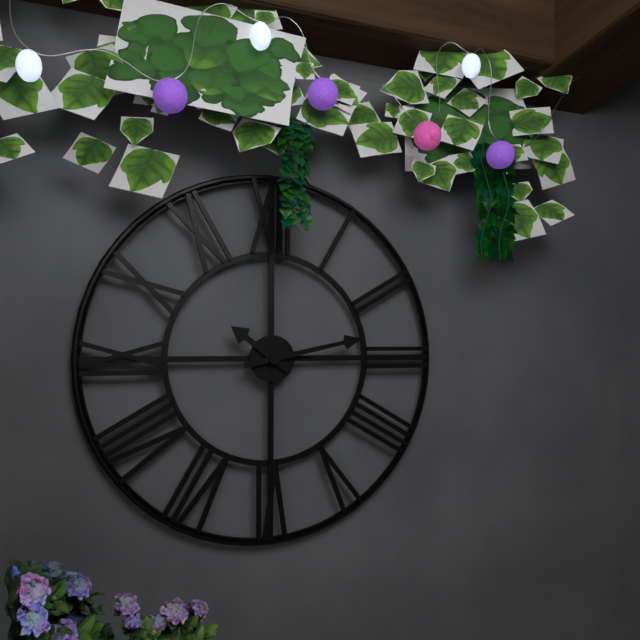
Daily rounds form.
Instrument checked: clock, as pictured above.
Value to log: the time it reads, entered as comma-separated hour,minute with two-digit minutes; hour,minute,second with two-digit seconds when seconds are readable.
10,13
